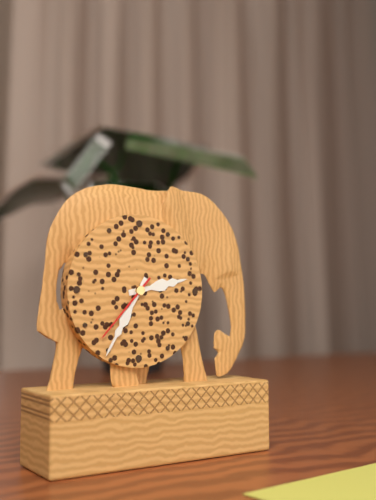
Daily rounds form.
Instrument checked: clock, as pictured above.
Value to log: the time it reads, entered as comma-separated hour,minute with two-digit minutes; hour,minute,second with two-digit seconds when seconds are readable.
2,35,37
